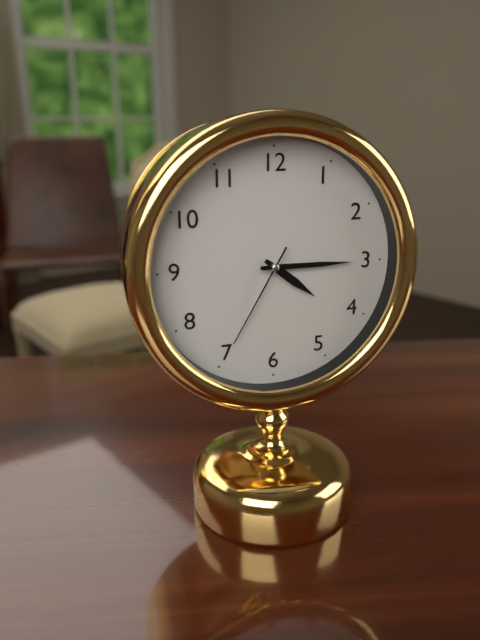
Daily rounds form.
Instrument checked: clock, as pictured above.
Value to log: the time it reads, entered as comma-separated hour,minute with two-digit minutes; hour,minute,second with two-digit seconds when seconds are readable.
4,15,35
